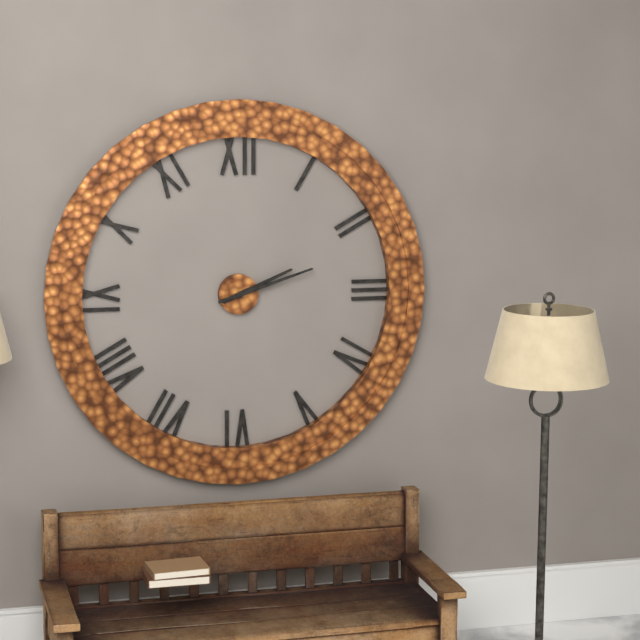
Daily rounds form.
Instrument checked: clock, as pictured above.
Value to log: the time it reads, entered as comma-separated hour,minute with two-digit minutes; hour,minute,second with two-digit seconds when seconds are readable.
2,12
